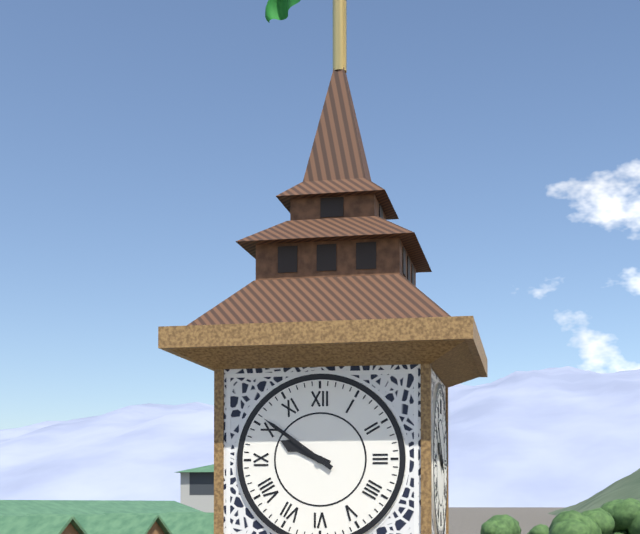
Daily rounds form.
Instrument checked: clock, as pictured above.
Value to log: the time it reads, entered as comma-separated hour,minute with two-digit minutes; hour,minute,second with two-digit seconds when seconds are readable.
9,51
